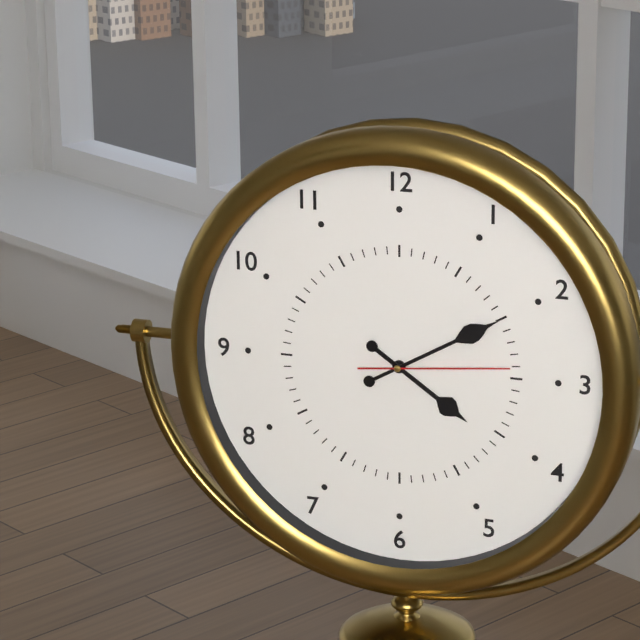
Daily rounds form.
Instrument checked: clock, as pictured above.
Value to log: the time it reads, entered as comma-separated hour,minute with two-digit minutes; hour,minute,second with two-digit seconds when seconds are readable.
4,10,14
